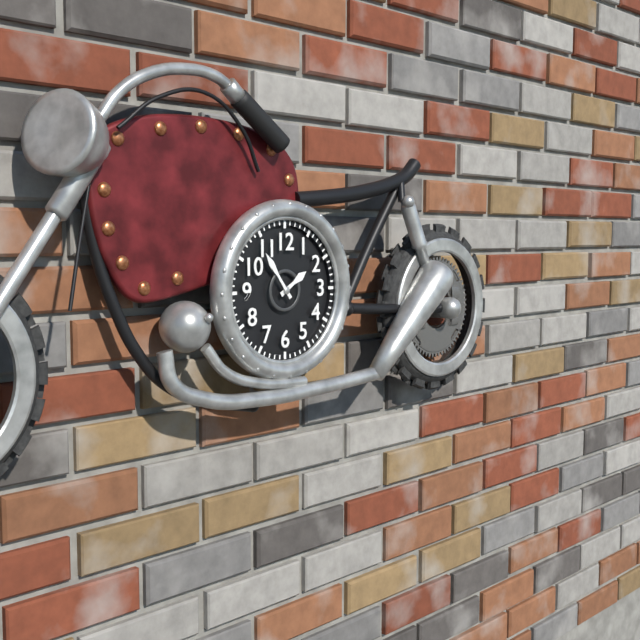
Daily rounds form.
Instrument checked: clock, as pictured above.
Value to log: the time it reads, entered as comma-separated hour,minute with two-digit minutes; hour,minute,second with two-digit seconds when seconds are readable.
1,54
